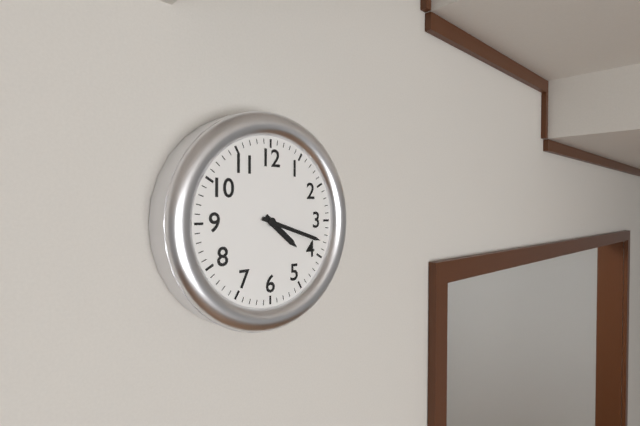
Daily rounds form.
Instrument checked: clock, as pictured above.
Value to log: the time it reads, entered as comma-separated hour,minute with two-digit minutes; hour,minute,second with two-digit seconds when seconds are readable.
4,18
